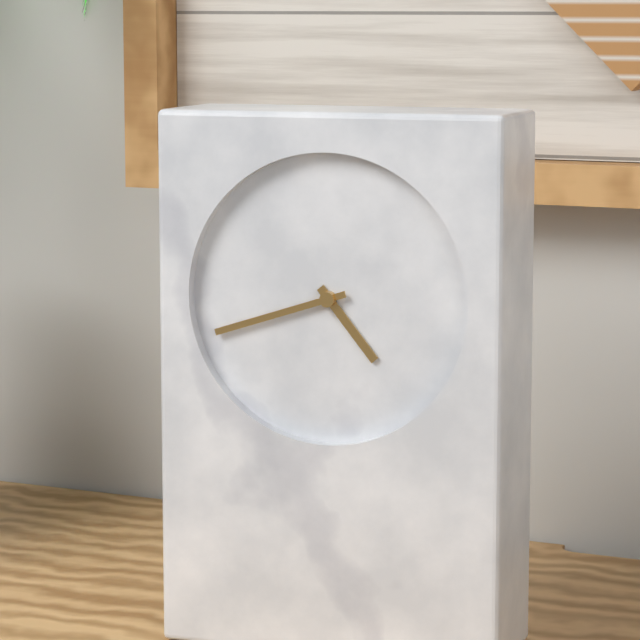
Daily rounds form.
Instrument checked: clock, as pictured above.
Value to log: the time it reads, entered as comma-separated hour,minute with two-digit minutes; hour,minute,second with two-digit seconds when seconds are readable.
4,42
